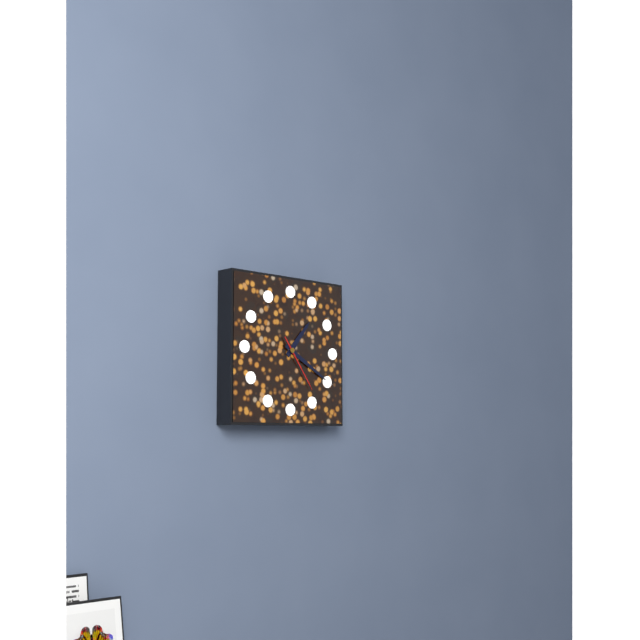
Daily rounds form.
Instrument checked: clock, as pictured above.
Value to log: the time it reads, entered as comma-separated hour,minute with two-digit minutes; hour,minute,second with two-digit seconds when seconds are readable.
1,20,24
